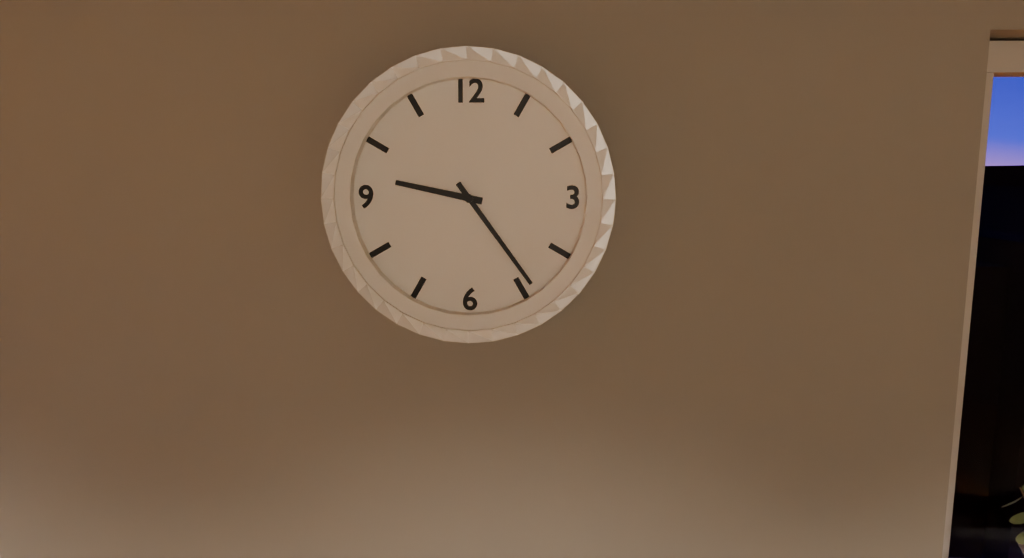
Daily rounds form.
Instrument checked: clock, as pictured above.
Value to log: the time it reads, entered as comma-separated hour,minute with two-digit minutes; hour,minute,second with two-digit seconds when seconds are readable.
9,24
